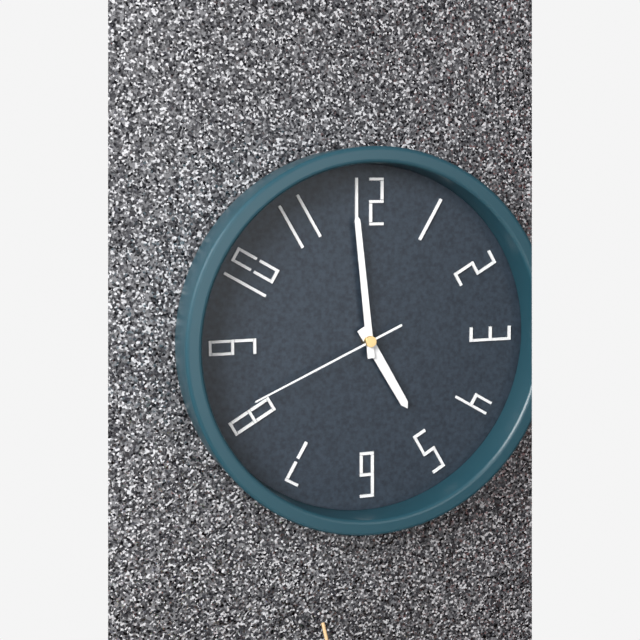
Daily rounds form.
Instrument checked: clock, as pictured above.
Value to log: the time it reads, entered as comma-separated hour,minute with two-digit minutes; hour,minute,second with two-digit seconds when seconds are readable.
4,59,41
